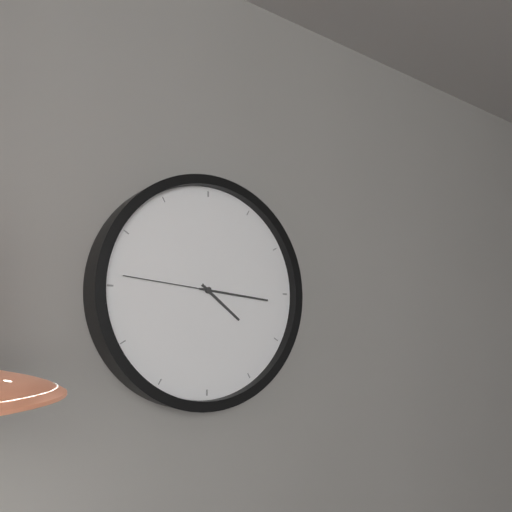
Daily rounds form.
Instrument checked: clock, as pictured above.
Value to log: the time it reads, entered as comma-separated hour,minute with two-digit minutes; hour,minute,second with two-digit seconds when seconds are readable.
4,16,46
